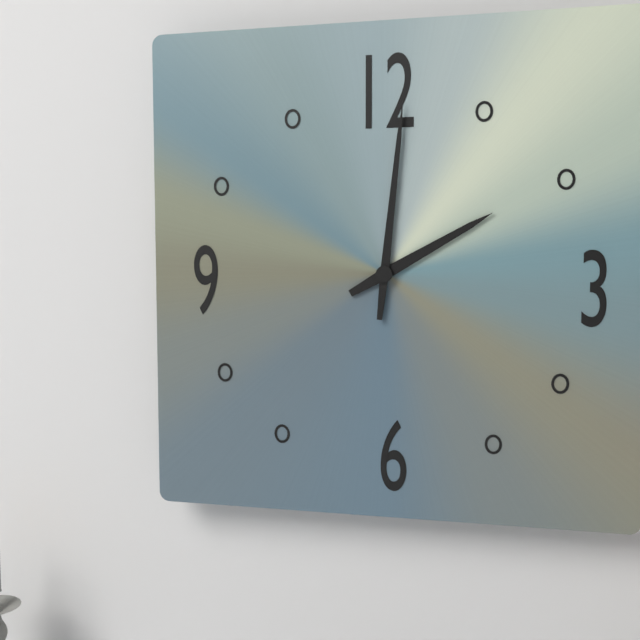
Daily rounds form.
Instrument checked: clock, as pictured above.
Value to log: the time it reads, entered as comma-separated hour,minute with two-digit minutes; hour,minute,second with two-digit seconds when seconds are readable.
2,01
